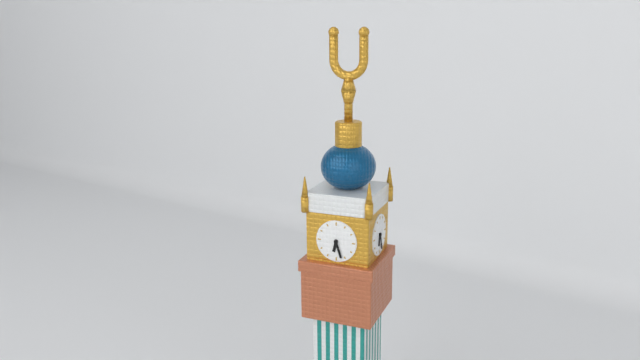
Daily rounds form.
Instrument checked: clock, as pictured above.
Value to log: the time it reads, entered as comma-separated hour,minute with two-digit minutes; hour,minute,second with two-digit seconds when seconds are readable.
6,27
